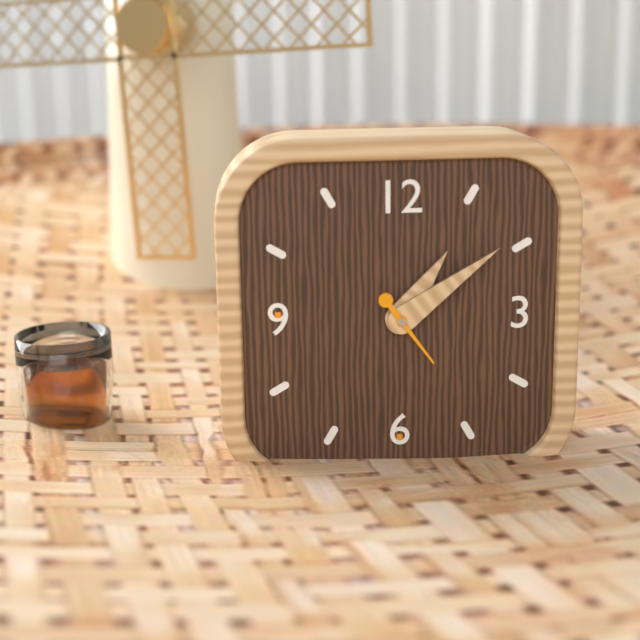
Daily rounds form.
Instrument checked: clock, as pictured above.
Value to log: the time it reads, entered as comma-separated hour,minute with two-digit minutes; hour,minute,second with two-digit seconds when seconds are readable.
1,09,24
